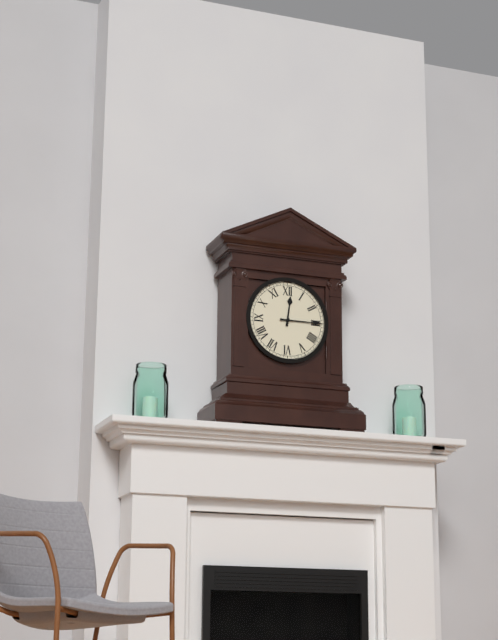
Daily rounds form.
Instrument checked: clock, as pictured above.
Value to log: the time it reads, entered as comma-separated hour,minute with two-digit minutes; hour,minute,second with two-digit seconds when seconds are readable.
12,15
